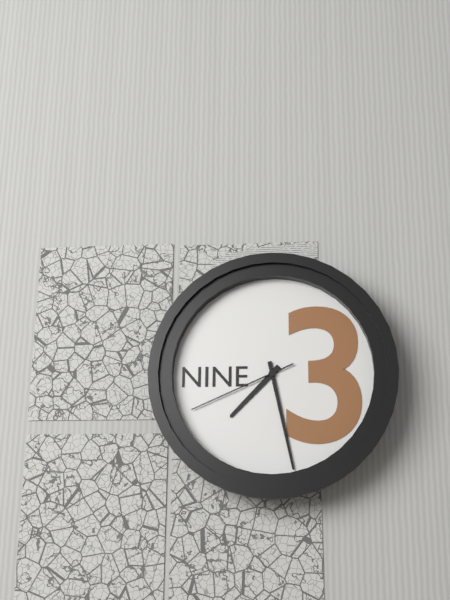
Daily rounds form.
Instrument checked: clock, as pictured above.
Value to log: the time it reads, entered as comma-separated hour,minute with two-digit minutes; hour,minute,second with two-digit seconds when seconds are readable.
7,28,41
